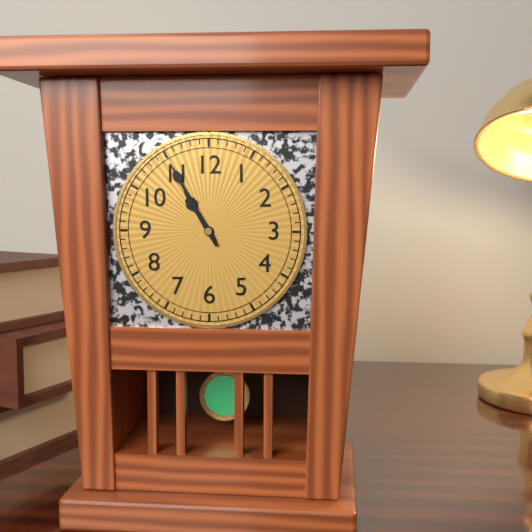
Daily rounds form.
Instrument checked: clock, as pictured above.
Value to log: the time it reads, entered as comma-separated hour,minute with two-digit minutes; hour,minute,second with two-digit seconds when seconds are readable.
10,55
